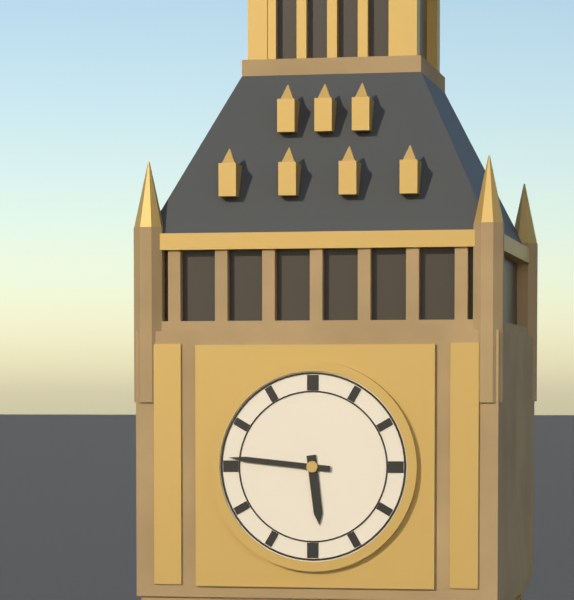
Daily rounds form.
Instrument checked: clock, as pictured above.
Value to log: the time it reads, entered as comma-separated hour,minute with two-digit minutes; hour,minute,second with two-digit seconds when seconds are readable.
5,46
